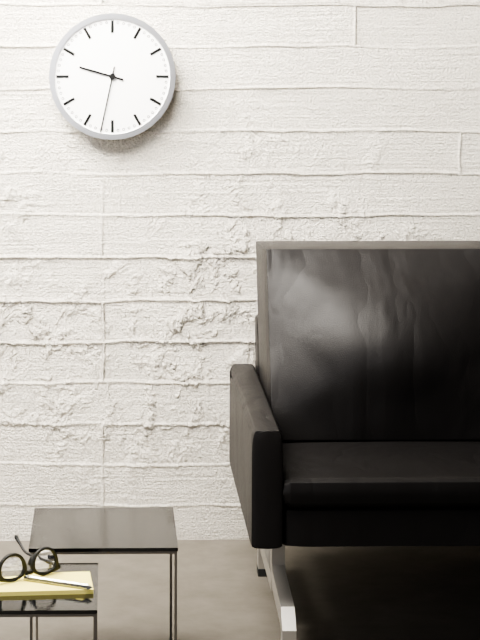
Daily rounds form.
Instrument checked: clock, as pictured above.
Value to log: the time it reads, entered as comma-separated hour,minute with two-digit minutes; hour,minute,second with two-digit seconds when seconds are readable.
9,32
